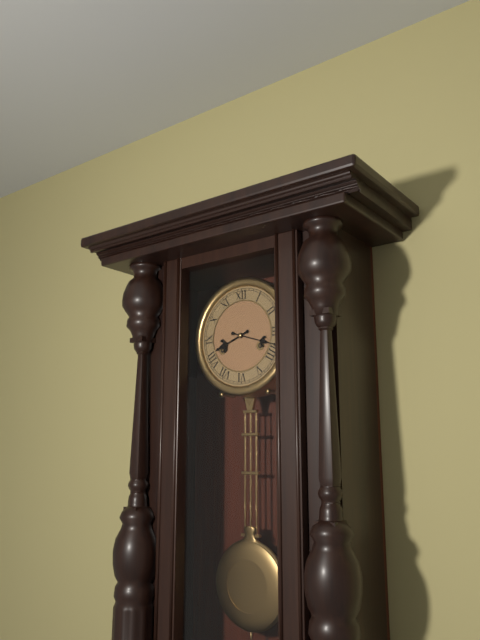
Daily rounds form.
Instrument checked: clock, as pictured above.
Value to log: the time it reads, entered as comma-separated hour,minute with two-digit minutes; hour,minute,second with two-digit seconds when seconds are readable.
8,18
